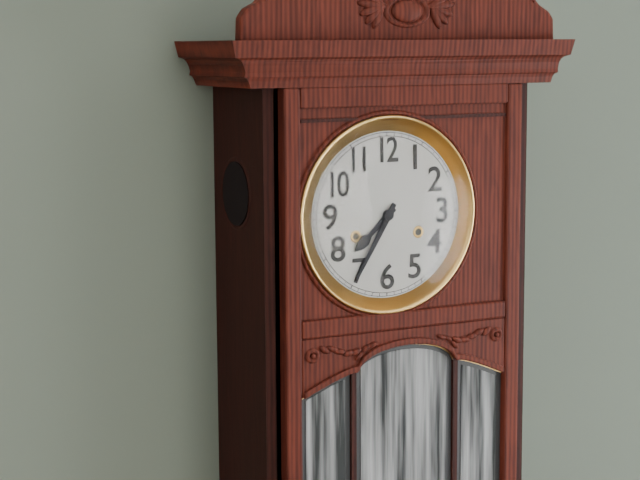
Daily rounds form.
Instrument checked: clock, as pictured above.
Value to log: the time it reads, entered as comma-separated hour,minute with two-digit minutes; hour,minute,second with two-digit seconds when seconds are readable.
7,35
